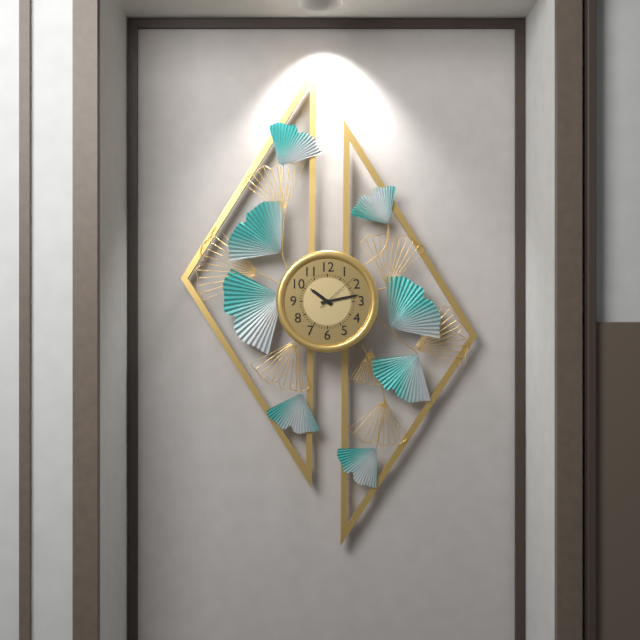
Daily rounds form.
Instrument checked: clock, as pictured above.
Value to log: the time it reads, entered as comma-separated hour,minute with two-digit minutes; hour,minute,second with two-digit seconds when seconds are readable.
10,13
